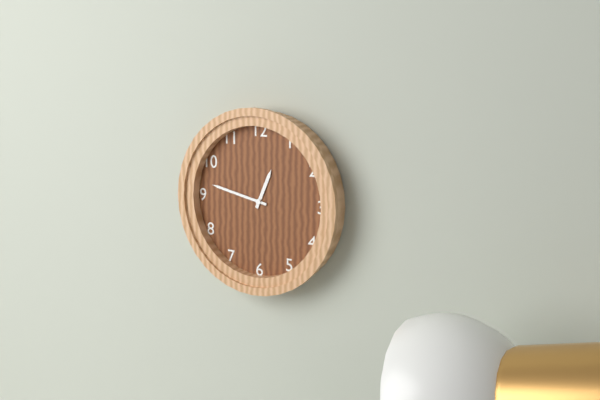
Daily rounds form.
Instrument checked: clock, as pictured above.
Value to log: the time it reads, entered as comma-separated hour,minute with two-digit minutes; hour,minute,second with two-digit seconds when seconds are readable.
12,47
